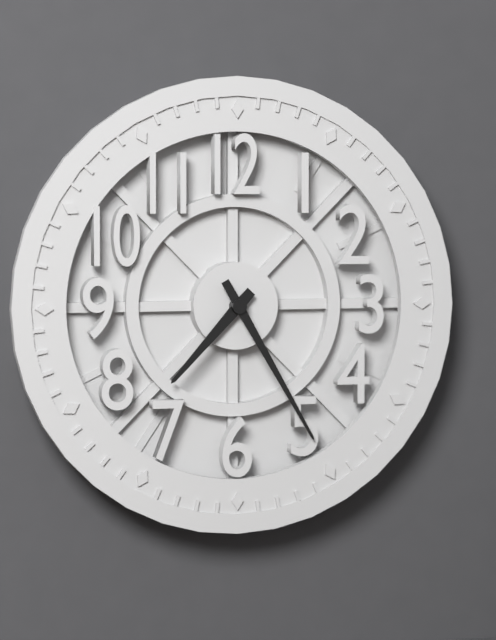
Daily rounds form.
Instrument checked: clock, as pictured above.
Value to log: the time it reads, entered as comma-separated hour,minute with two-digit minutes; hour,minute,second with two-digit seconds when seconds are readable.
7,25
